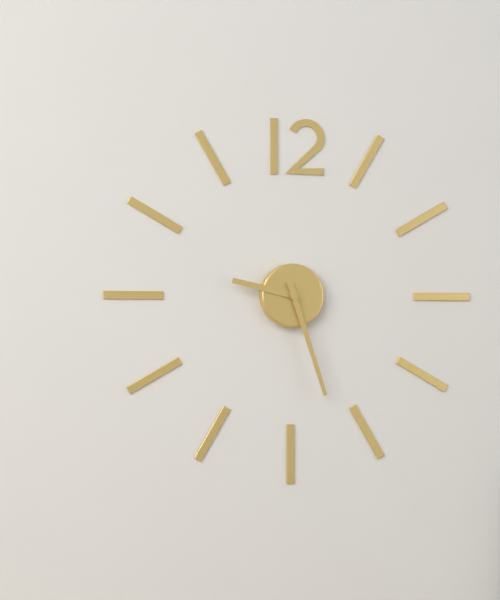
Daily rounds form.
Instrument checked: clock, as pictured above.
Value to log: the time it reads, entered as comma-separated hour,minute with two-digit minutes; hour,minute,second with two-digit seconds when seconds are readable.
9,27
